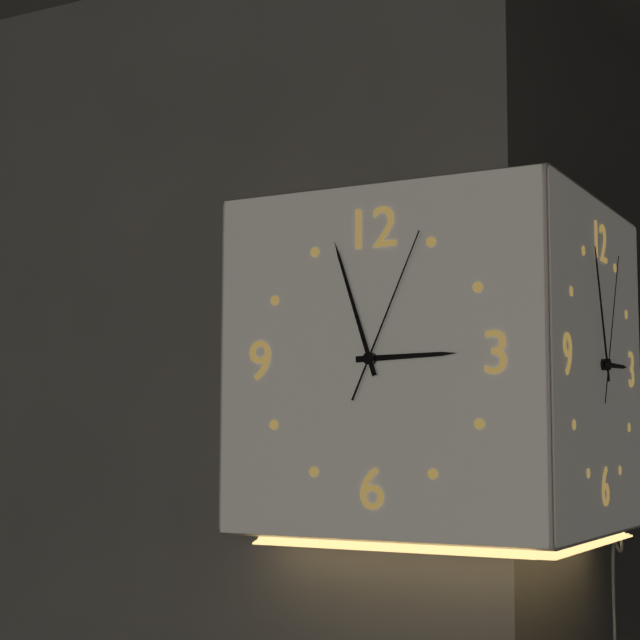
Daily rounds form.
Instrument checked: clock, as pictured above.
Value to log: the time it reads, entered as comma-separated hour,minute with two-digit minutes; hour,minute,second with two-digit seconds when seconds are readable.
2,57,04
